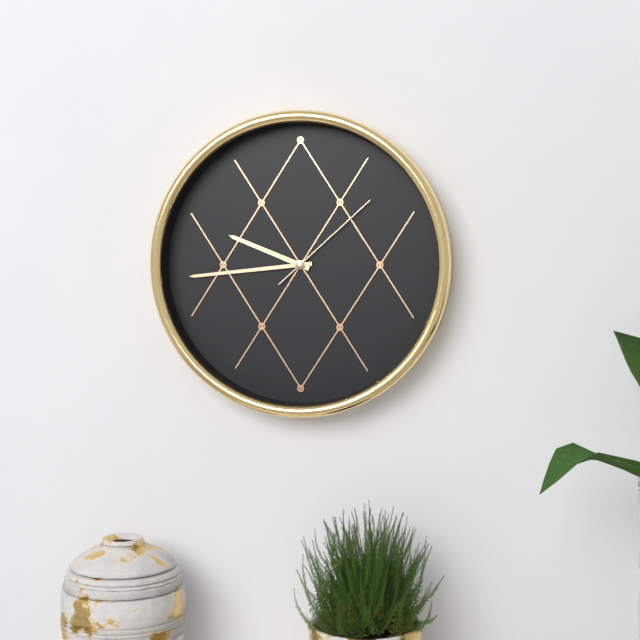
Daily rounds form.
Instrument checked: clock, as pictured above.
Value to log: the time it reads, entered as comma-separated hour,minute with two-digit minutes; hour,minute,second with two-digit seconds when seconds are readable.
9,44,08
